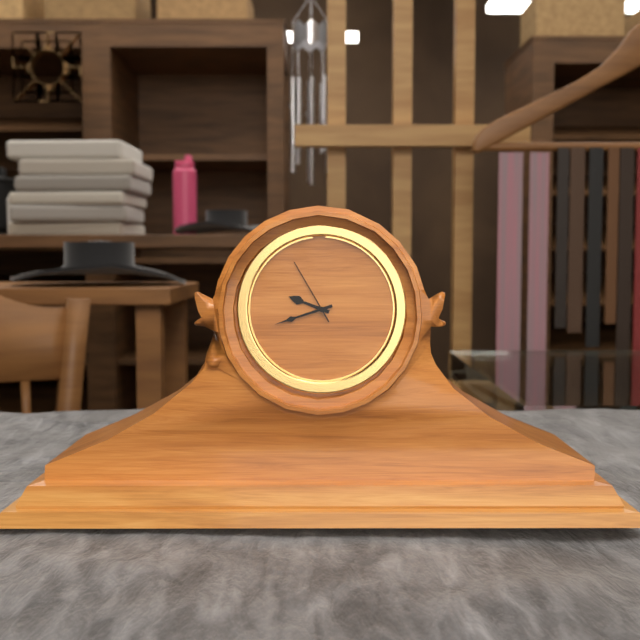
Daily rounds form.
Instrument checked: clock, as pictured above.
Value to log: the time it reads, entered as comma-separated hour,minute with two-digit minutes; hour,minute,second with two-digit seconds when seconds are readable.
9,42,55
